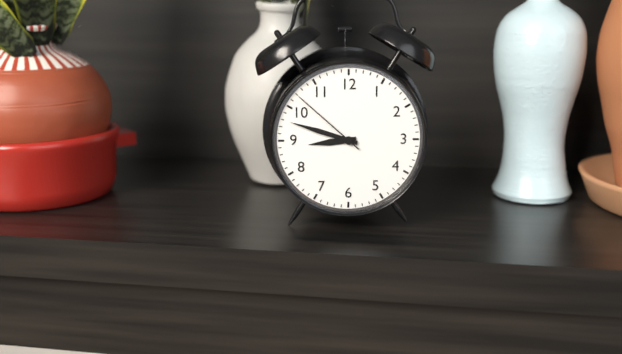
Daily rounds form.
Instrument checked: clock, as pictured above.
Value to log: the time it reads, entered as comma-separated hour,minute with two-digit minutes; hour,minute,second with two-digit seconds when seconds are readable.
8,48,52
